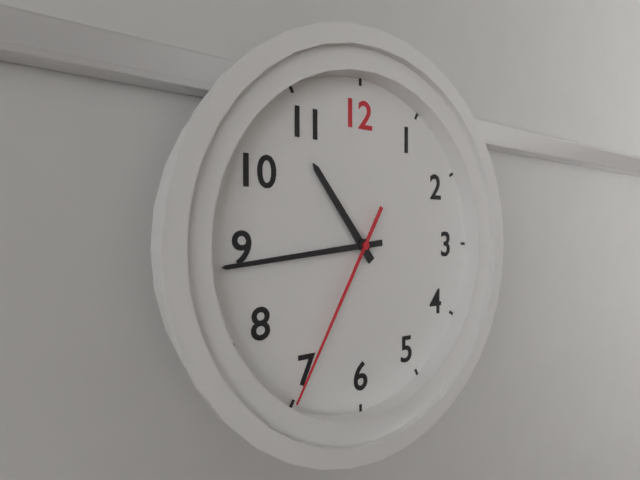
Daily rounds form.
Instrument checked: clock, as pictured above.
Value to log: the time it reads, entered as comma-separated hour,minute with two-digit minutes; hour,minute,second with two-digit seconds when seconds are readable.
10,44,35
